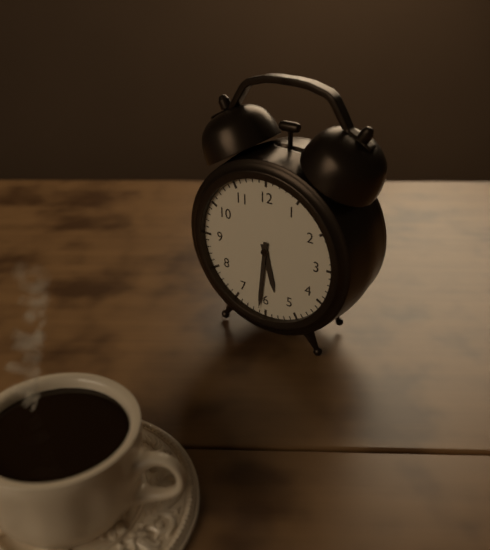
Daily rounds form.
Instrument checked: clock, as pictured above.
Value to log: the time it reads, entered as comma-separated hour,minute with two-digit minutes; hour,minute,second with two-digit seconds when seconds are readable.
5,31
